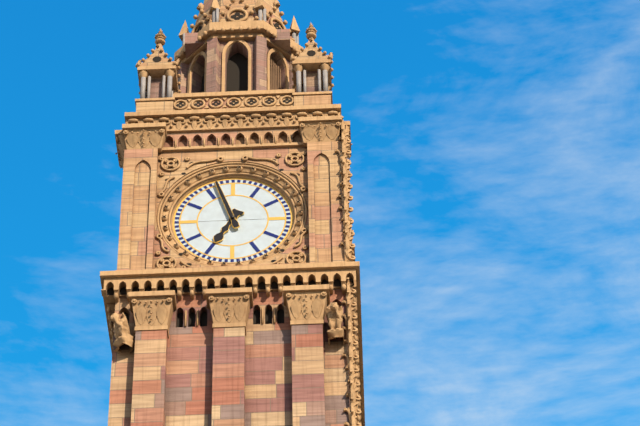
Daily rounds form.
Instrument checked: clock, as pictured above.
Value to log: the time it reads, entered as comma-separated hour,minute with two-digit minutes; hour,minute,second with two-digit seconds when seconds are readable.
6,57
